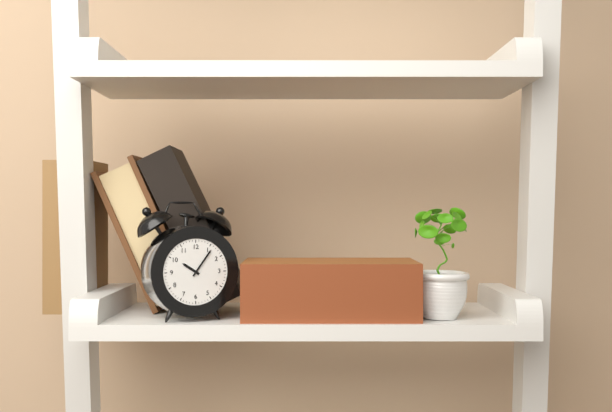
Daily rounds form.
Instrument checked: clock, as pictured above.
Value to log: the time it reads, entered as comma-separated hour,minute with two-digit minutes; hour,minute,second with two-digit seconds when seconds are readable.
10,06
